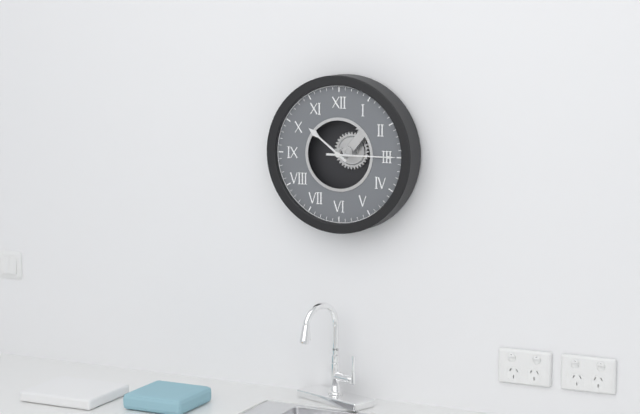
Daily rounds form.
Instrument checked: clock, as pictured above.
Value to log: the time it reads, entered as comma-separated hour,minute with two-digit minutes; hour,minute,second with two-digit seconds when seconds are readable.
10,15
